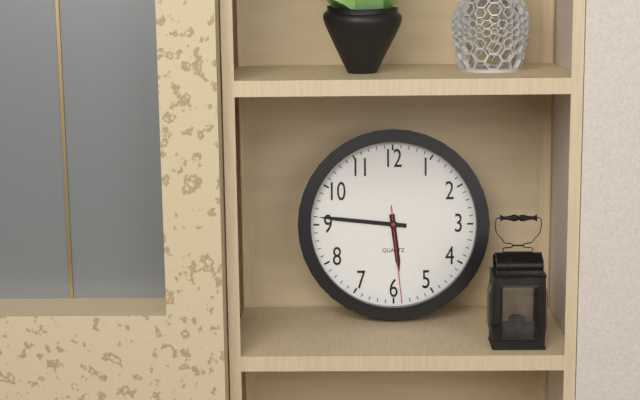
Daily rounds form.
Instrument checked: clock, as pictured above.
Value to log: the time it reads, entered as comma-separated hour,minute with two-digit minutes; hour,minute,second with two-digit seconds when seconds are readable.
5,46,29
